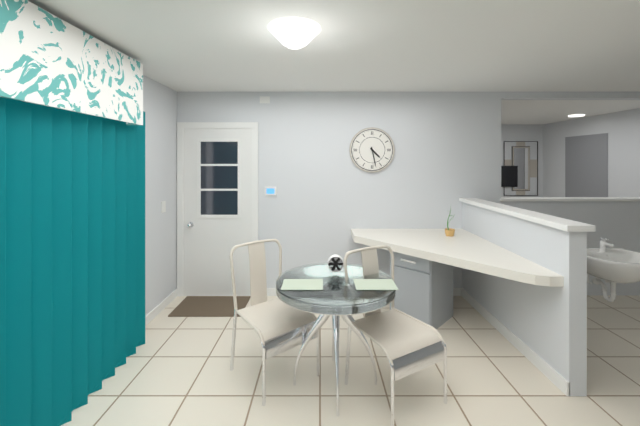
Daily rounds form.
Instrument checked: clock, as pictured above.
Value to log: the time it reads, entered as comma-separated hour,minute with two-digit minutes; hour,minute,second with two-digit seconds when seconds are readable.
4,28
